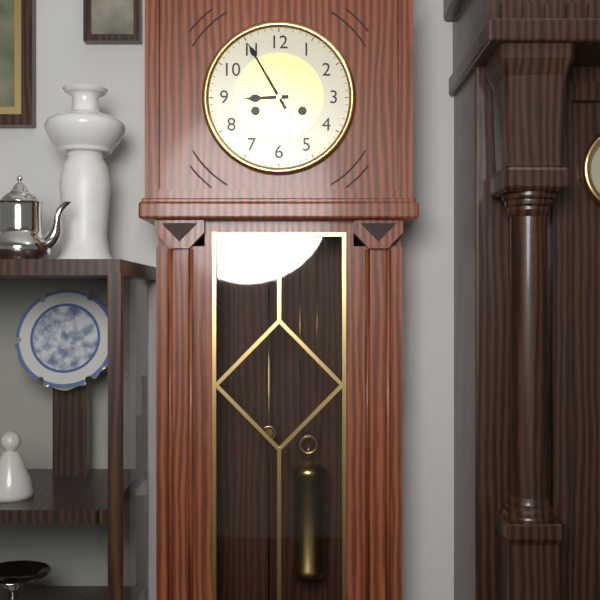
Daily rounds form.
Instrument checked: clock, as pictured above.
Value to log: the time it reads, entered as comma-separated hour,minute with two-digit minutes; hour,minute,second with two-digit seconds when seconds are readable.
8,55
